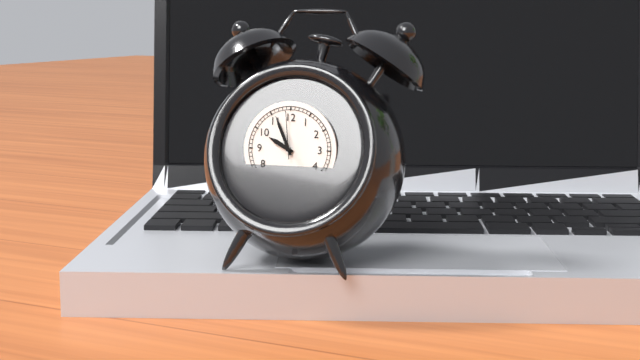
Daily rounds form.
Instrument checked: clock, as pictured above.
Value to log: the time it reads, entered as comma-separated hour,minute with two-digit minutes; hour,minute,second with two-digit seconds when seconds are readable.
9,56
